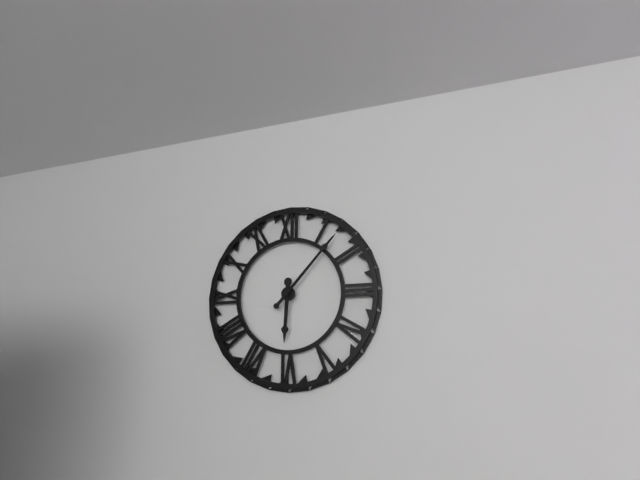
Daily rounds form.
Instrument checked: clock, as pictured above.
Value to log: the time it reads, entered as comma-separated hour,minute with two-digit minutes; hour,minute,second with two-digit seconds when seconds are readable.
6,07
